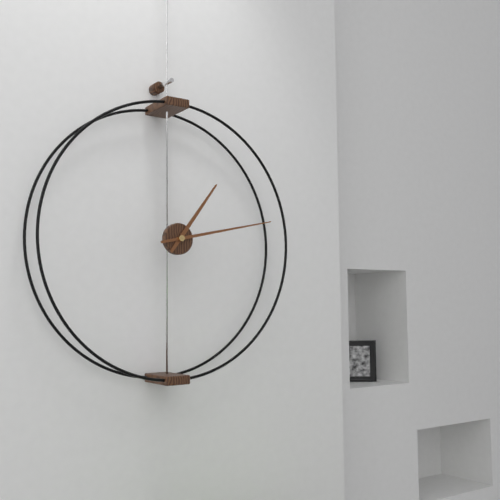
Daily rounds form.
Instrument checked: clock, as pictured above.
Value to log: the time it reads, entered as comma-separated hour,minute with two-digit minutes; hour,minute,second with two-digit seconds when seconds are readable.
1,13
